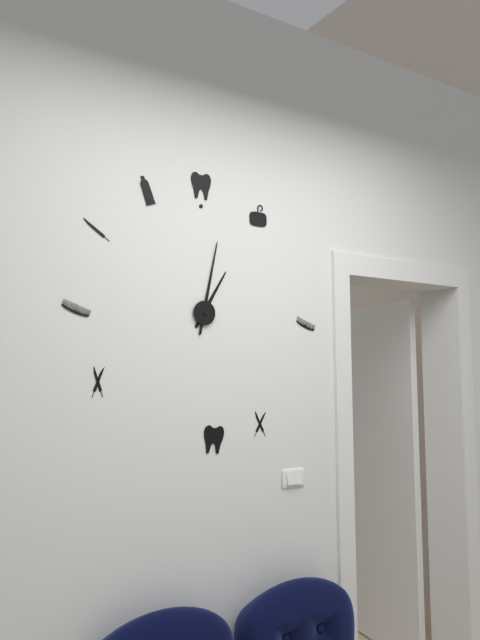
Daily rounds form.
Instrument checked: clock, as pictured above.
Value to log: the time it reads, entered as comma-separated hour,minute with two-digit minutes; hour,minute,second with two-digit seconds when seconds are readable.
1,02
